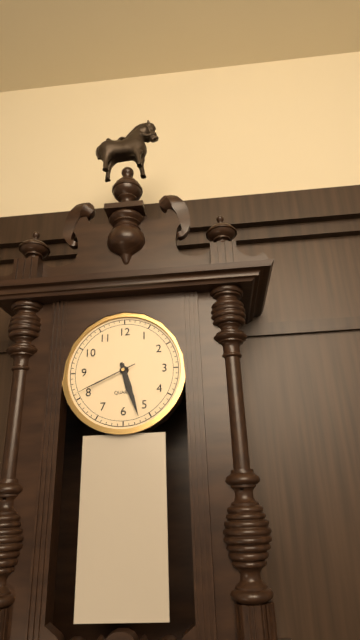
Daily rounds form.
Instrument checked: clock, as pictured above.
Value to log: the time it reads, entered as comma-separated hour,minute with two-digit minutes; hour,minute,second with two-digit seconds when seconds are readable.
5,27,41
